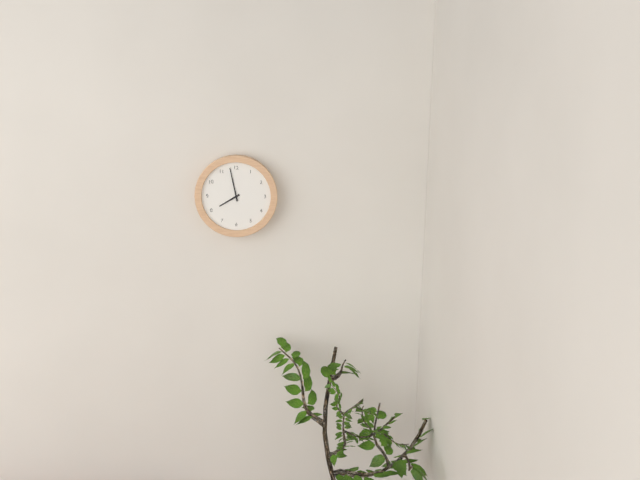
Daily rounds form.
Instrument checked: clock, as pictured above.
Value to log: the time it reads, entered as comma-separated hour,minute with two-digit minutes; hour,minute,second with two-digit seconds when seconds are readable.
7,58
